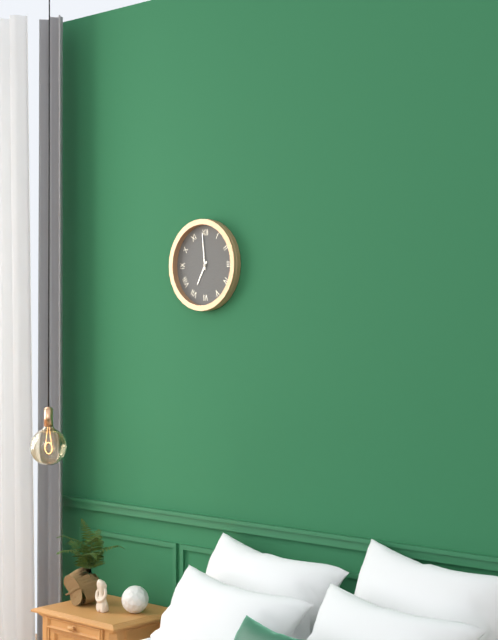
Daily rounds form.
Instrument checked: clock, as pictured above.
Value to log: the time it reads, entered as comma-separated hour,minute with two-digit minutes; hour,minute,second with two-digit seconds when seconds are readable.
6,59
